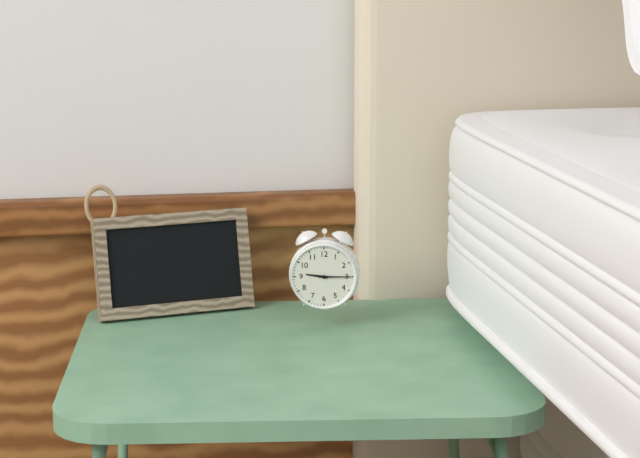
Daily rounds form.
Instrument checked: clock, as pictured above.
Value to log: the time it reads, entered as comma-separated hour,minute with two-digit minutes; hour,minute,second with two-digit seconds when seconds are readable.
9,15
